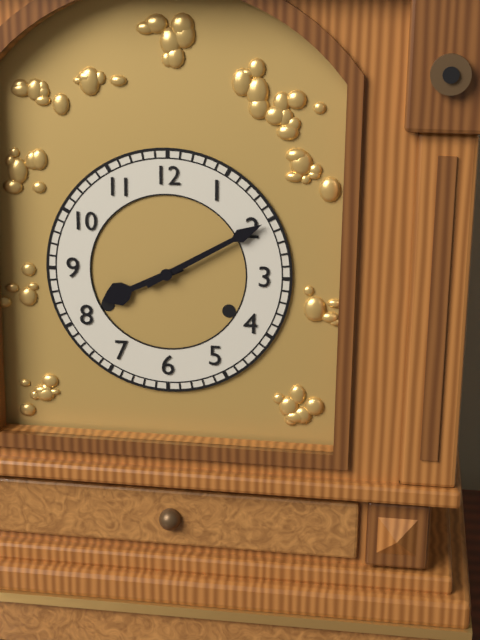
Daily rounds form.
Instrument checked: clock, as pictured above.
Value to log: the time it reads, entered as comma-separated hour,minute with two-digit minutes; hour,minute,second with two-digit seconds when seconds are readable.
8,10
